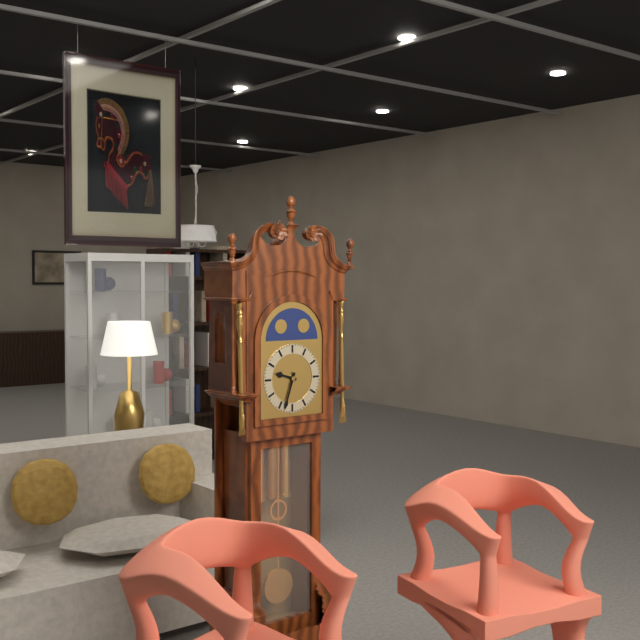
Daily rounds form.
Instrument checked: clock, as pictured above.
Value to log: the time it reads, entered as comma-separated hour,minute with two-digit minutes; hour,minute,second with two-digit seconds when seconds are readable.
9,33
